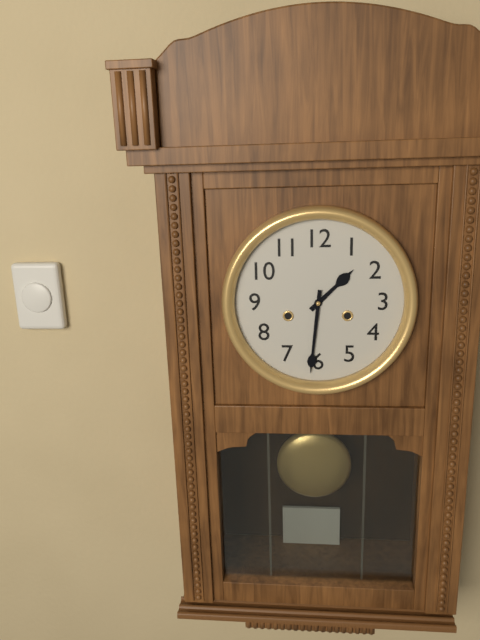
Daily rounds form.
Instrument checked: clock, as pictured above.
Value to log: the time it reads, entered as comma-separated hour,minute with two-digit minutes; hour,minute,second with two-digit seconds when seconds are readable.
1,31
